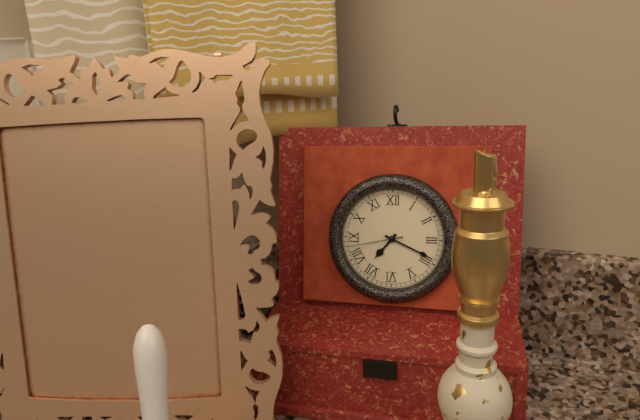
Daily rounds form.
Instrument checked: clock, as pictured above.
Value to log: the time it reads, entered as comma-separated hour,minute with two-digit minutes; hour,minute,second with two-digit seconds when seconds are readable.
7,19,43
